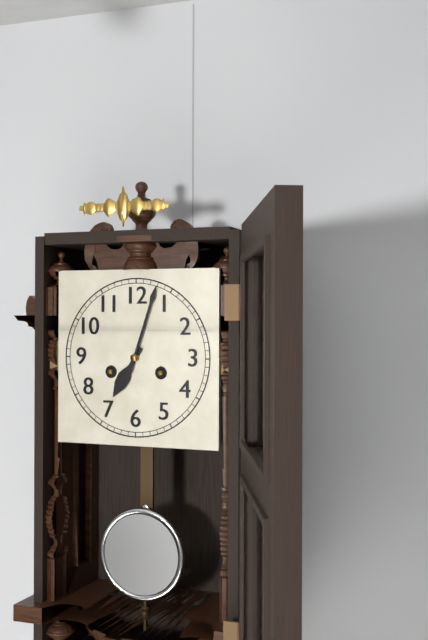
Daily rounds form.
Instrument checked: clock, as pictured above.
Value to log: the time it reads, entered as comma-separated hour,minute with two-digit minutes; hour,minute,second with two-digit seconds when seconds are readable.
7,03
